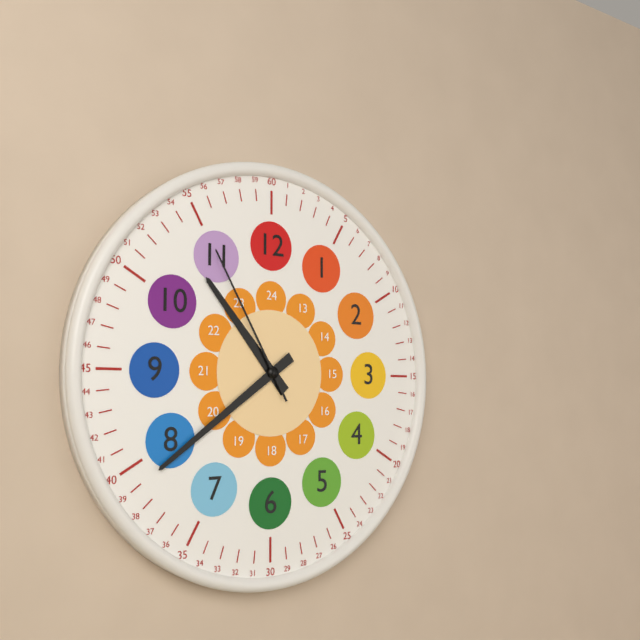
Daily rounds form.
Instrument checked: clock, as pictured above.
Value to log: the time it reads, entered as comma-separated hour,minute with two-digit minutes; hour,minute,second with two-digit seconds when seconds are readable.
10,39,55
